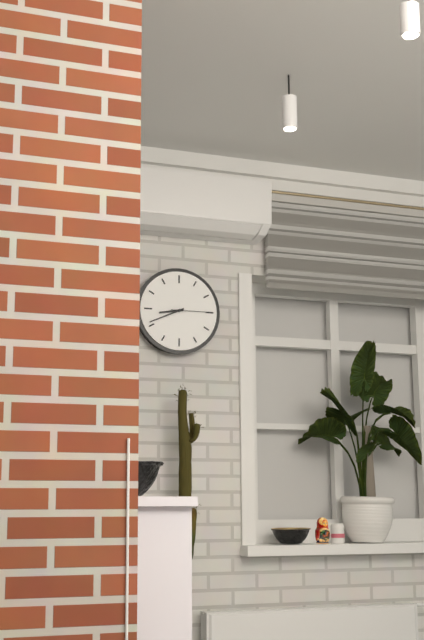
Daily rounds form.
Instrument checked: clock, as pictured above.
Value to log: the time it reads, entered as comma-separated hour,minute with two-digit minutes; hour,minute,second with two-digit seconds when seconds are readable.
8,41
